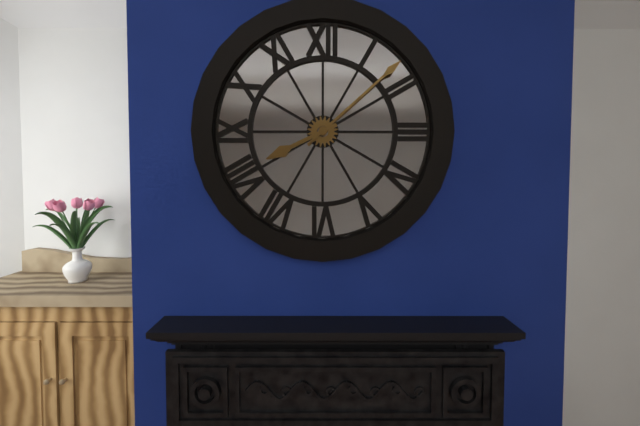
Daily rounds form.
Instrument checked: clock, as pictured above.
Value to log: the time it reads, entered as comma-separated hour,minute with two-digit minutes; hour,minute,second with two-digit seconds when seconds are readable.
8,08
